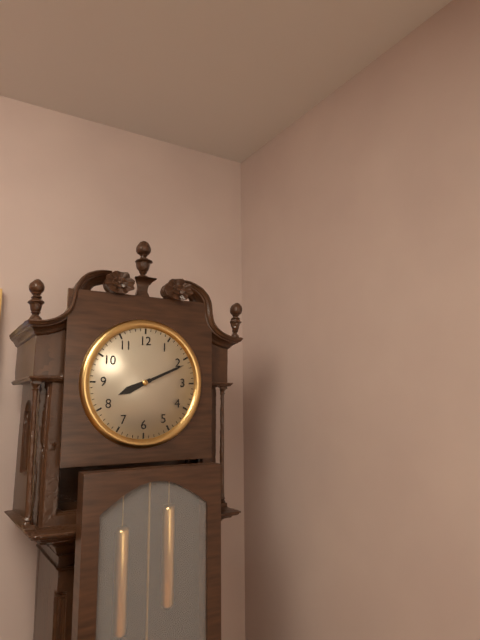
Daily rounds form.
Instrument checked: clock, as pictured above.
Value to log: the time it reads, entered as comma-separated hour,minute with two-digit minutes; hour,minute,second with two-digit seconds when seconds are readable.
8,11
